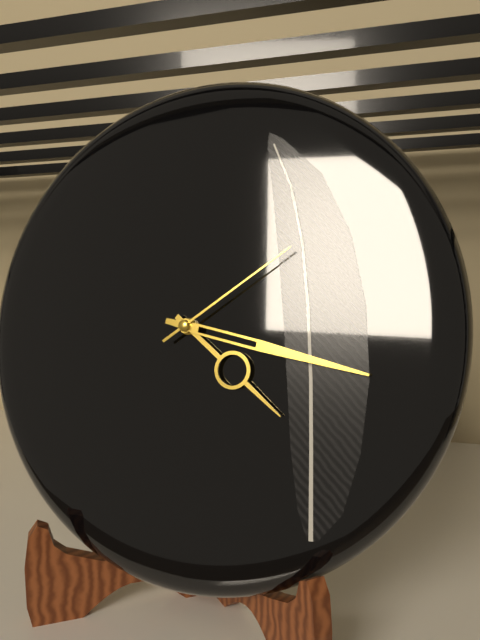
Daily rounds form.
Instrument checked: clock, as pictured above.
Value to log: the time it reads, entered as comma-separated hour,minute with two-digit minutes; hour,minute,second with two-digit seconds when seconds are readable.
4,17,09
